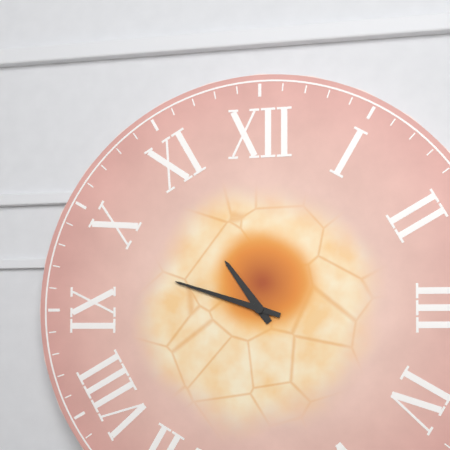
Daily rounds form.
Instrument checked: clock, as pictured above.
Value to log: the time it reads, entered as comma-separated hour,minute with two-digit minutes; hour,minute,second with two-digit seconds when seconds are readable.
10,48
